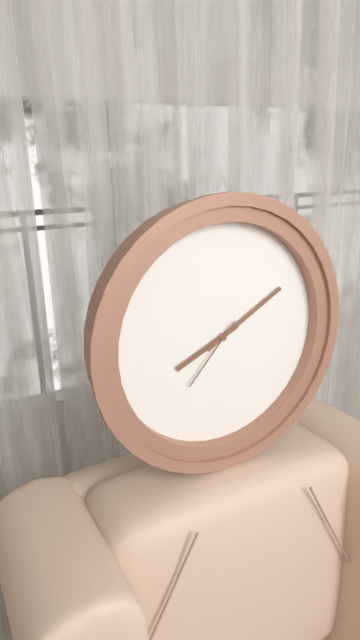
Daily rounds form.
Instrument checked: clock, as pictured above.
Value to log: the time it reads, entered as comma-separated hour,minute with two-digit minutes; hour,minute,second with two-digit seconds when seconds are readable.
8,10,37
